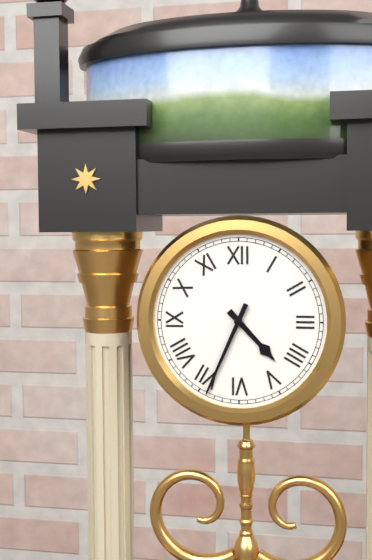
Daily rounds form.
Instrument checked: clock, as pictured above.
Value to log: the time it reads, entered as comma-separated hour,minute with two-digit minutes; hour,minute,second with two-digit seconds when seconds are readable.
4,34
